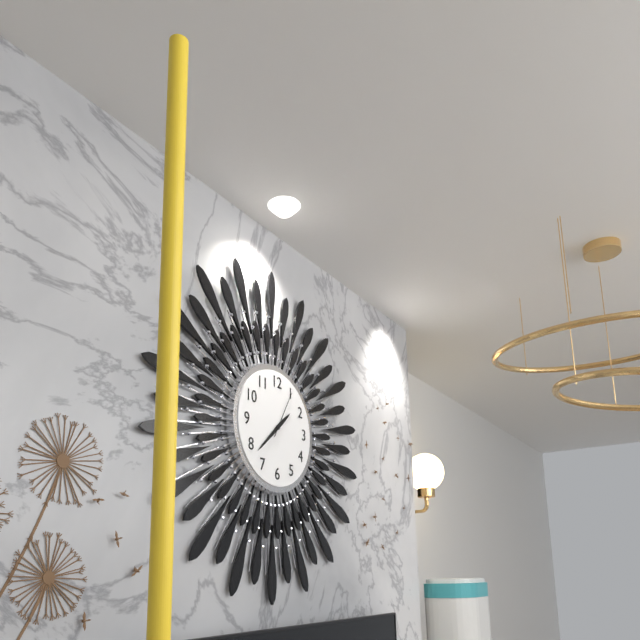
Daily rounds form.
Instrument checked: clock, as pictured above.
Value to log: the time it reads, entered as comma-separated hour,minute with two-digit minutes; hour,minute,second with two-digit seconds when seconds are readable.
1,38,05
